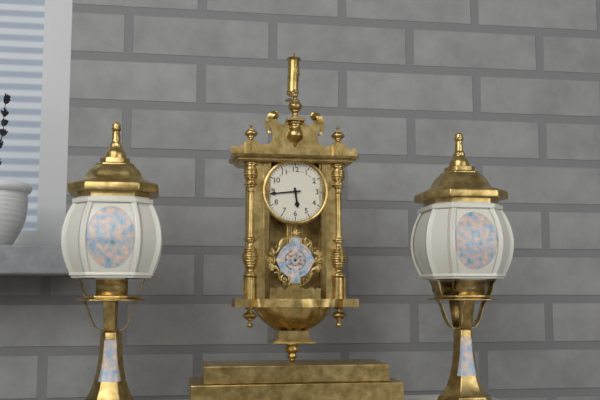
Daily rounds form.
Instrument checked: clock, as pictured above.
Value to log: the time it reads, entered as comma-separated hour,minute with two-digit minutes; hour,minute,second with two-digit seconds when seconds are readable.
5,44
